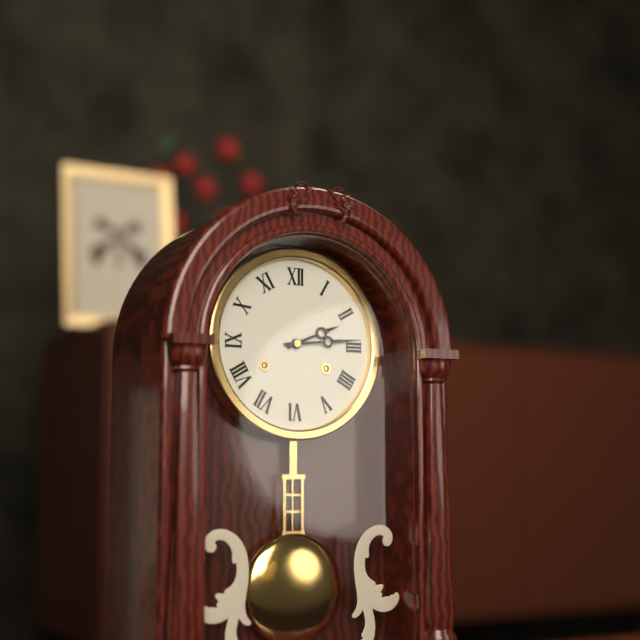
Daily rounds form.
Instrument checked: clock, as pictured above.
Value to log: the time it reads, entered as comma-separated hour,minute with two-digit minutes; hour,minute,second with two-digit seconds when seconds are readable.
2,14
